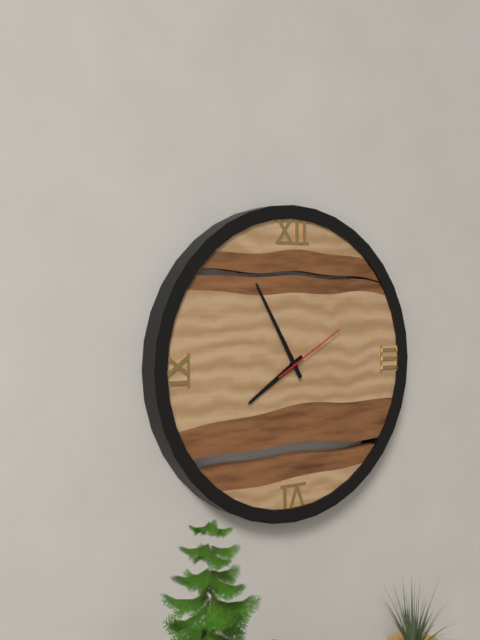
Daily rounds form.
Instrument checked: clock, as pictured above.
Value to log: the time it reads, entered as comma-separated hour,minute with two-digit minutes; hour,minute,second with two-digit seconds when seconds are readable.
7,55,10
